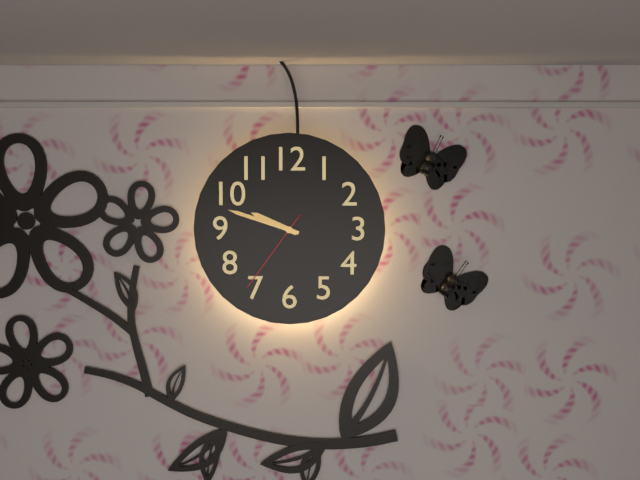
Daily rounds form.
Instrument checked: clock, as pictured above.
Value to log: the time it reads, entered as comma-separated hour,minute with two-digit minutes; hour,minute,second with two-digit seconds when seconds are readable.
9,48,36
